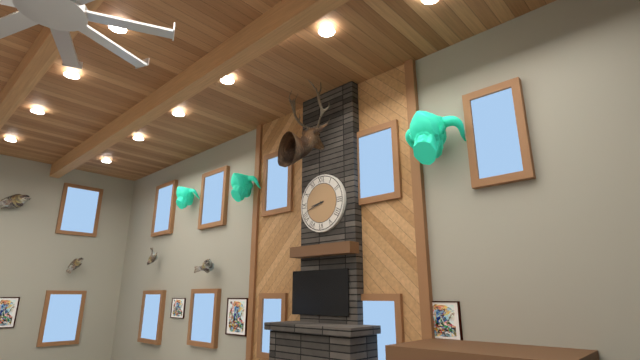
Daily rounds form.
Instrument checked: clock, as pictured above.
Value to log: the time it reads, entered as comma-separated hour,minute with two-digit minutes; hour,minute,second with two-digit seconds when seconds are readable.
8,42
